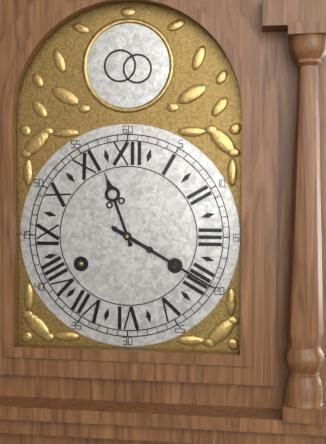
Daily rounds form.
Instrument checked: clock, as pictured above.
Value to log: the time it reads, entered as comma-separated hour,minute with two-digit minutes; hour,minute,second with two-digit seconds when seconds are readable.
11,20
